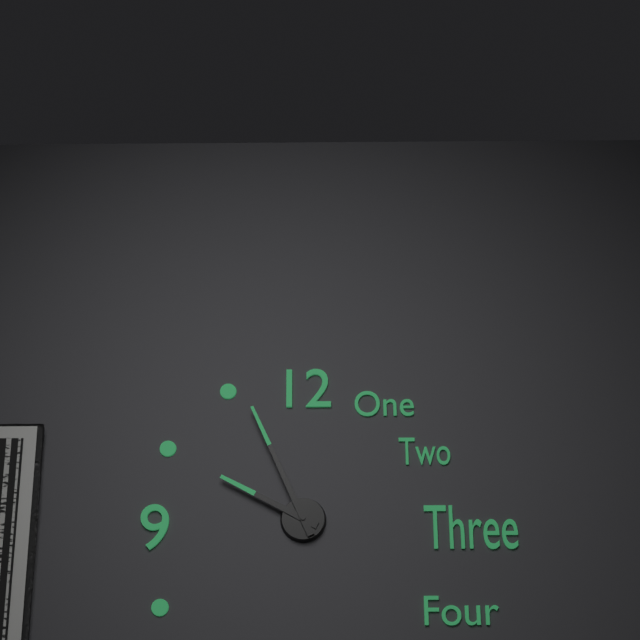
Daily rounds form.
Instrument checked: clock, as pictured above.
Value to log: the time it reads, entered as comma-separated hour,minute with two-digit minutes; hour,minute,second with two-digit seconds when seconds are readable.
9,56
